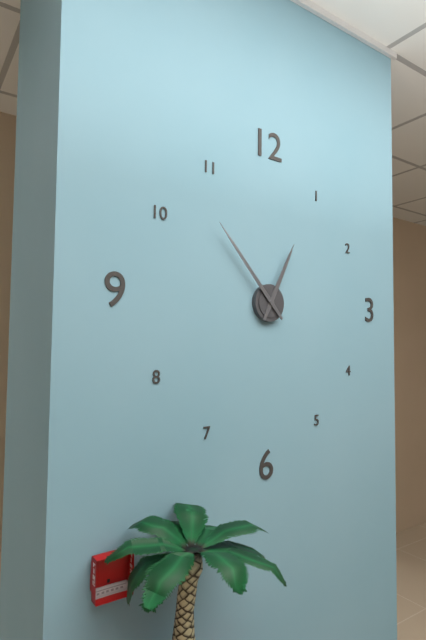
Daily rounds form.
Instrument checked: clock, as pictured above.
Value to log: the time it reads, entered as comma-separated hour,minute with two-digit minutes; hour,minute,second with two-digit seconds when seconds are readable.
12,53
